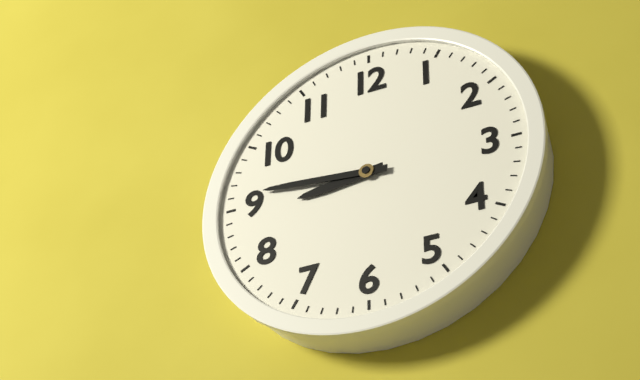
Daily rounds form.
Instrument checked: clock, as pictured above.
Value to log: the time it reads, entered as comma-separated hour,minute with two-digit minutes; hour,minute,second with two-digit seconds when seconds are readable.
8,46
